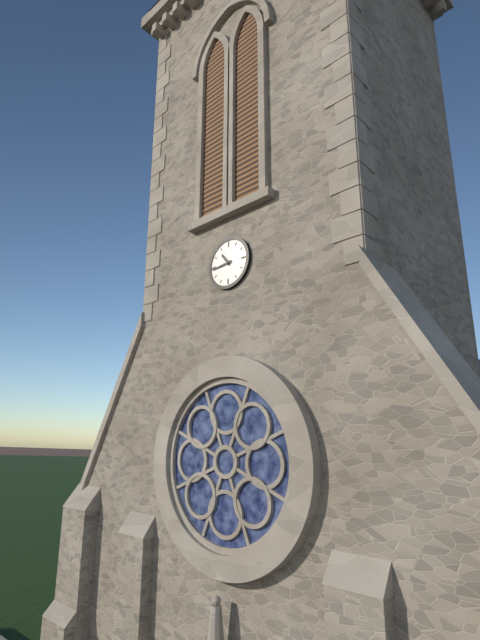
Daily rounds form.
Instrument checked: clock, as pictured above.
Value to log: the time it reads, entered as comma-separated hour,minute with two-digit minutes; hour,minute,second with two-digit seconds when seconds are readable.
10,44
